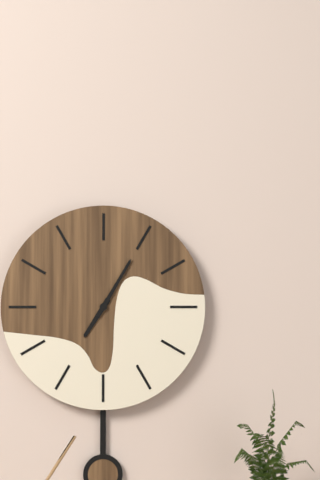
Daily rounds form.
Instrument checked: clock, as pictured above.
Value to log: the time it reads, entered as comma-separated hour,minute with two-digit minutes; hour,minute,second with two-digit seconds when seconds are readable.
7,05
